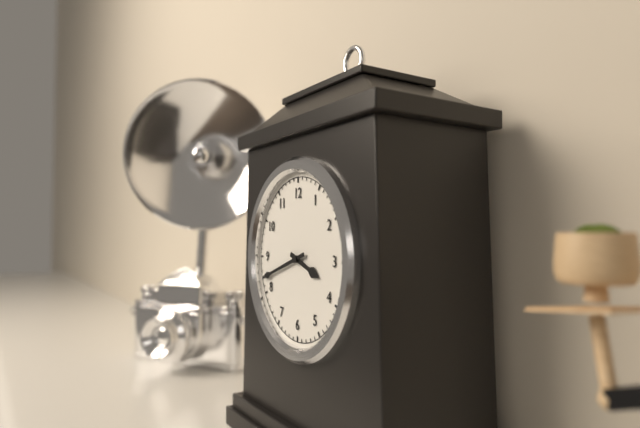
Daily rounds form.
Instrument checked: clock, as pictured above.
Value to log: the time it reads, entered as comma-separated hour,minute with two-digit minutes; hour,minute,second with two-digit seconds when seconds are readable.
3,42
